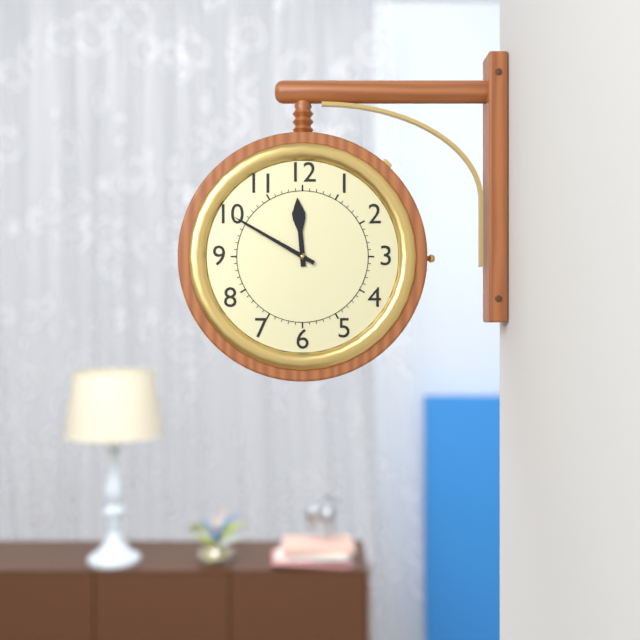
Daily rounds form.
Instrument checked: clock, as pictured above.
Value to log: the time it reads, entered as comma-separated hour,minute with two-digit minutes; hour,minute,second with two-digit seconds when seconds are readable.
11,50
